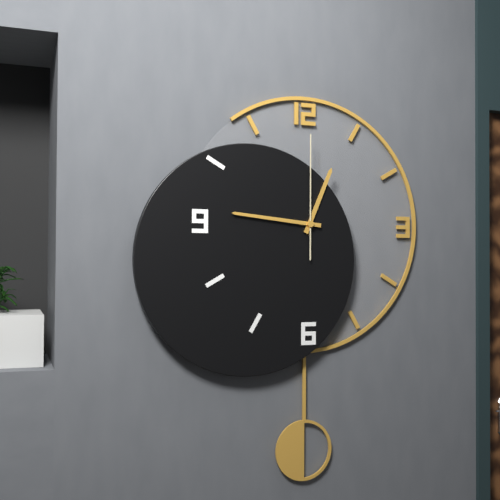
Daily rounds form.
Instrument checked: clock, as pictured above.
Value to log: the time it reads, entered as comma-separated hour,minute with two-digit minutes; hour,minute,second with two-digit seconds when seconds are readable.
12,46,00
